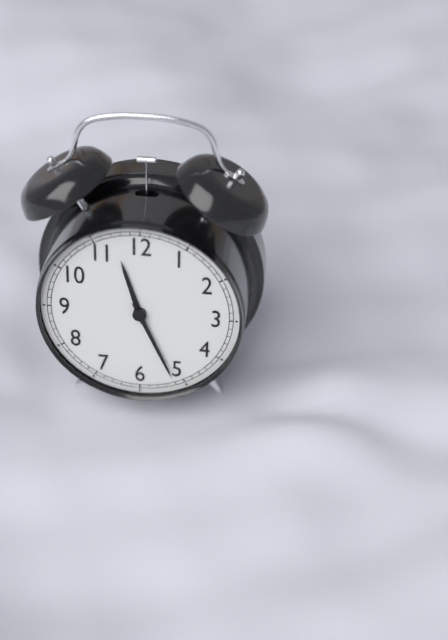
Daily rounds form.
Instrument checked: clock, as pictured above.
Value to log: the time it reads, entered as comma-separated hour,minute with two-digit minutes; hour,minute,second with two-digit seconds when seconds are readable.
11,26
